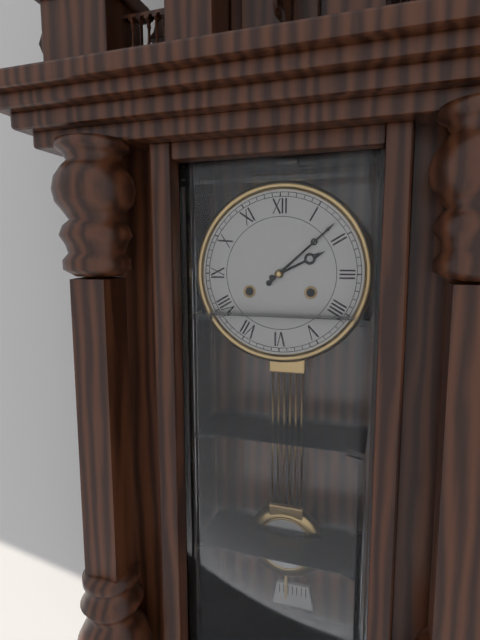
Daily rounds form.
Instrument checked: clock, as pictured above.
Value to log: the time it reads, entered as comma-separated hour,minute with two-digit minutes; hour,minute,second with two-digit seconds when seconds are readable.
2,08
